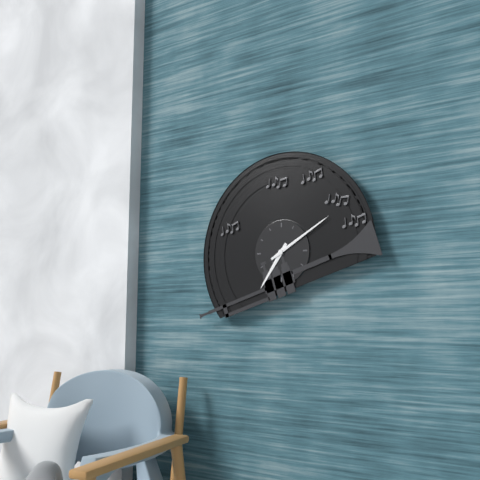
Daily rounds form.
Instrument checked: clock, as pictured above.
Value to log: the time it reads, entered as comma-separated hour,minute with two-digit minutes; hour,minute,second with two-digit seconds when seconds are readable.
7,10
